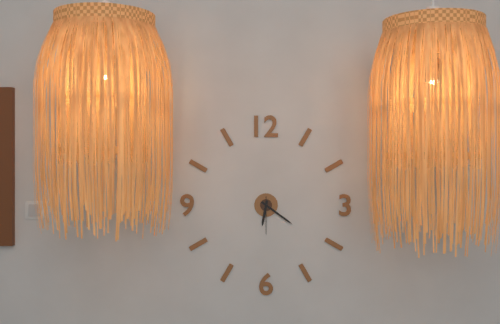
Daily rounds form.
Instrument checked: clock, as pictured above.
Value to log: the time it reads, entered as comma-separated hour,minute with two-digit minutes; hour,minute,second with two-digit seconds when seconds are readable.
6,21
